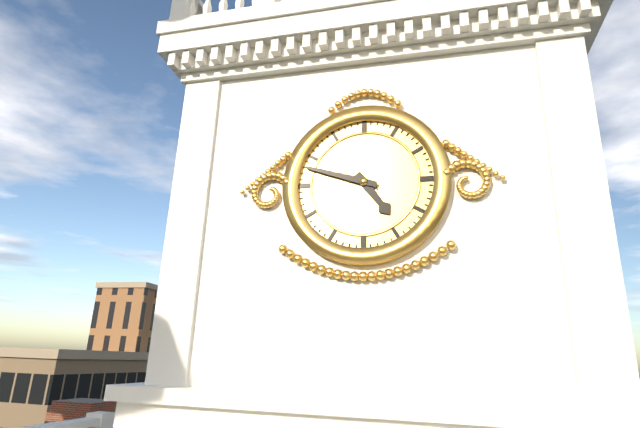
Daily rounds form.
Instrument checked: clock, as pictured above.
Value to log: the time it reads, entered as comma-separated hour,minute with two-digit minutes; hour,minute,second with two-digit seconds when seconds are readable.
4,48
